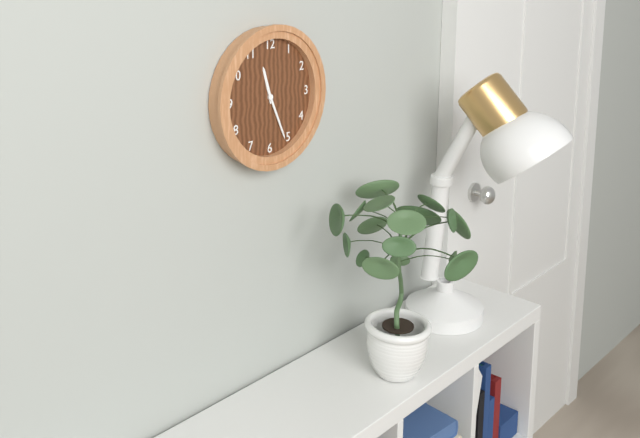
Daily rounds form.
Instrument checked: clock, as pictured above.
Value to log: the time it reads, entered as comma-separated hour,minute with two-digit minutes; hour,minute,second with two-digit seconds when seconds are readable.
11,26
